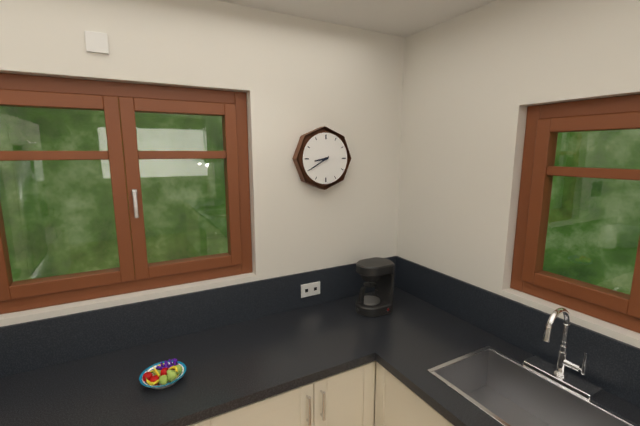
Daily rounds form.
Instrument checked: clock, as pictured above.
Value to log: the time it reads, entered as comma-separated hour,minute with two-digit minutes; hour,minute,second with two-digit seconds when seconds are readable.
8,40
